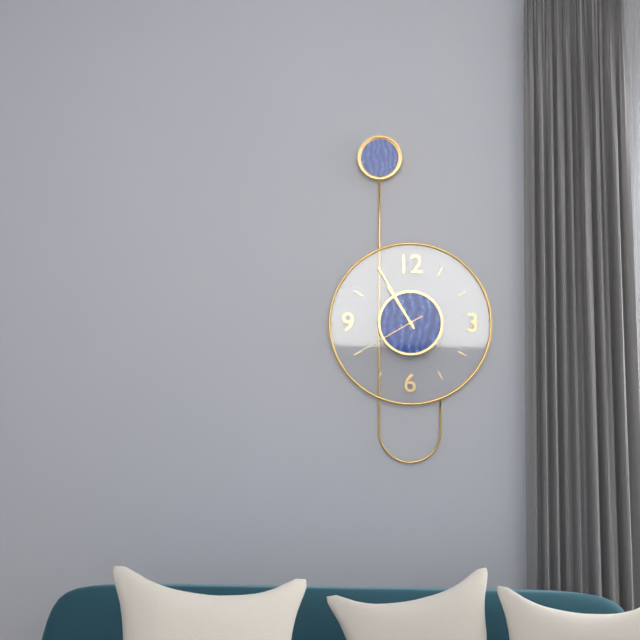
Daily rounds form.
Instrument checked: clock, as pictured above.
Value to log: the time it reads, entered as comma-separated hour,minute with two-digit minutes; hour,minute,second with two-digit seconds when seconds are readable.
10,55,40
